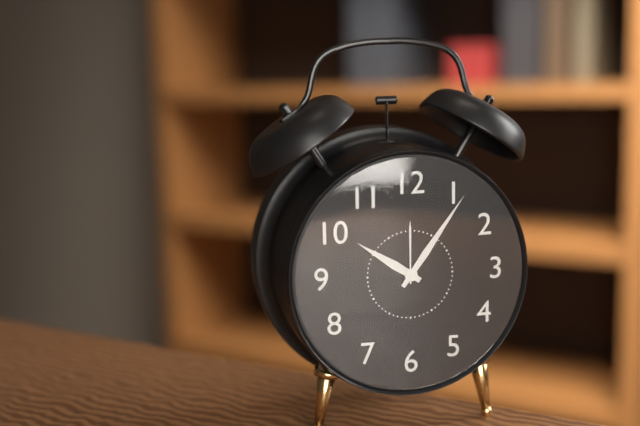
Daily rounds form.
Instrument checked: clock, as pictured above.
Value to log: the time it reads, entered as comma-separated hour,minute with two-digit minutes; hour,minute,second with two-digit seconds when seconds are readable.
10,06
